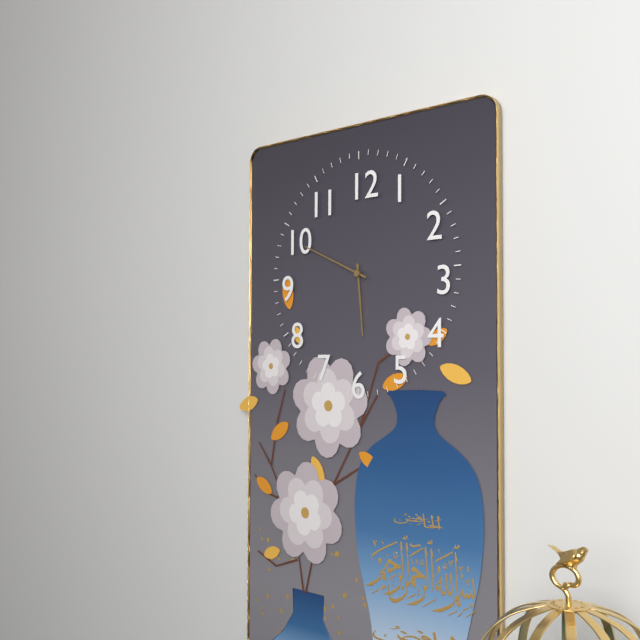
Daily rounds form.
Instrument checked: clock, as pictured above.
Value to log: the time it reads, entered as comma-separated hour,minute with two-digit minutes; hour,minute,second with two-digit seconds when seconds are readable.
5,49
